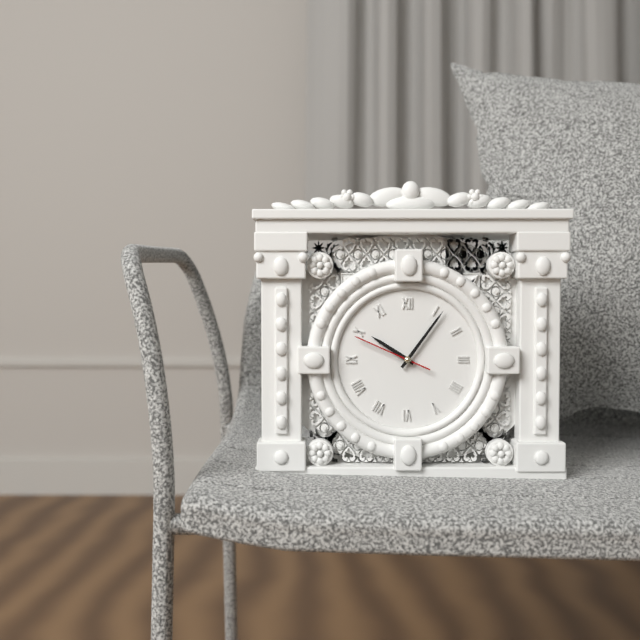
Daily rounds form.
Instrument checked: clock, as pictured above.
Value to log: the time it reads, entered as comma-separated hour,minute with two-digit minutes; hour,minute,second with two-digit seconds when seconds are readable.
10,06,49
